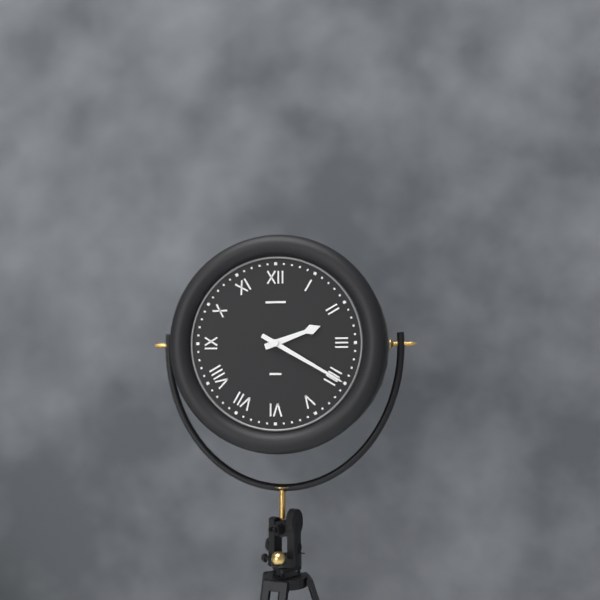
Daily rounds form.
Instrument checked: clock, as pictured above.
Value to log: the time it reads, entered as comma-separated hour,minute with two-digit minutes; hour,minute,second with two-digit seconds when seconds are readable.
2,20
